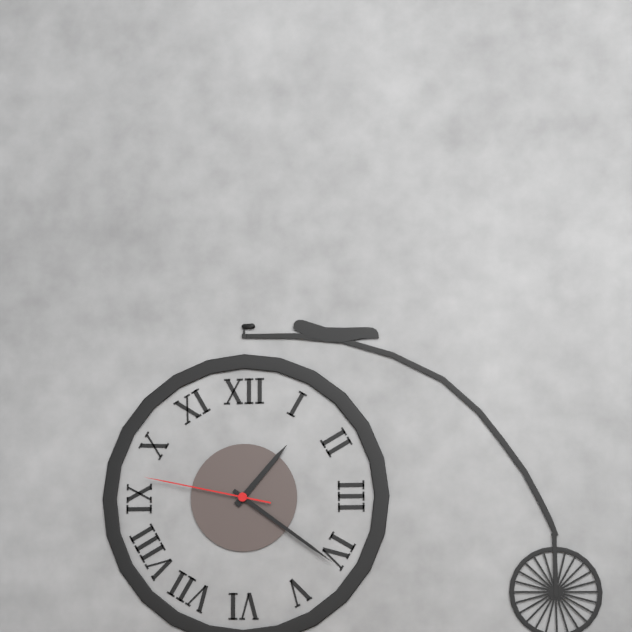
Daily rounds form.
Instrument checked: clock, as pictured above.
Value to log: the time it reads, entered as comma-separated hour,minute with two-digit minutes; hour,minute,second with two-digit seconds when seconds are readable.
1,21,47
